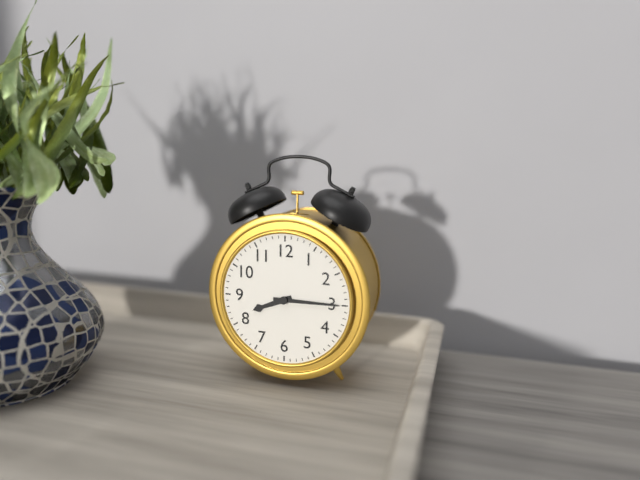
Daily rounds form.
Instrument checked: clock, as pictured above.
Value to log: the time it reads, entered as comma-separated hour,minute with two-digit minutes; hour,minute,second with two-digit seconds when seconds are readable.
8,15
